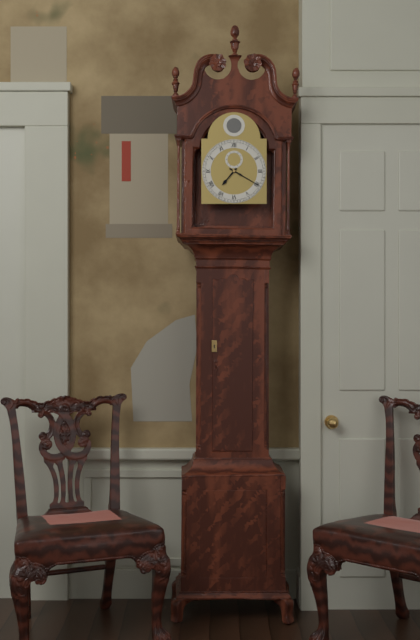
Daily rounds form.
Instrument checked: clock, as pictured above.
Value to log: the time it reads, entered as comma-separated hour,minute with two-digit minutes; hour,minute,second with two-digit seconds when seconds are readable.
7,20
